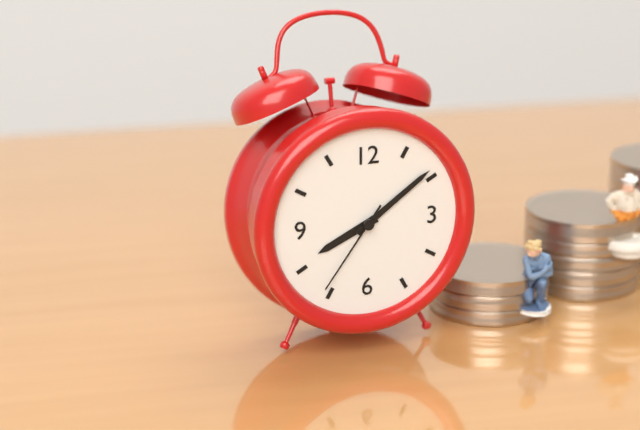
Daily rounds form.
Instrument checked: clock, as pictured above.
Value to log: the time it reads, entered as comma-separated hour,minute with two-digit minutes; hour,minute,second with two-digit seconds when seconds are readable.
8,09,36
